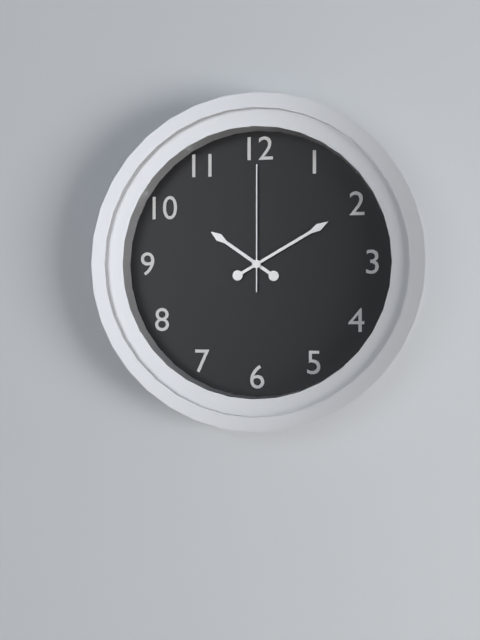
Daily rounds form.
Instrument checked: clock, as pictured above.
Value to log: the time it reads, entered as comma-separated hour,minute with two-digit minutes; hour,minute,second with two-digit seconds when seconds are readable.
10,10,00
